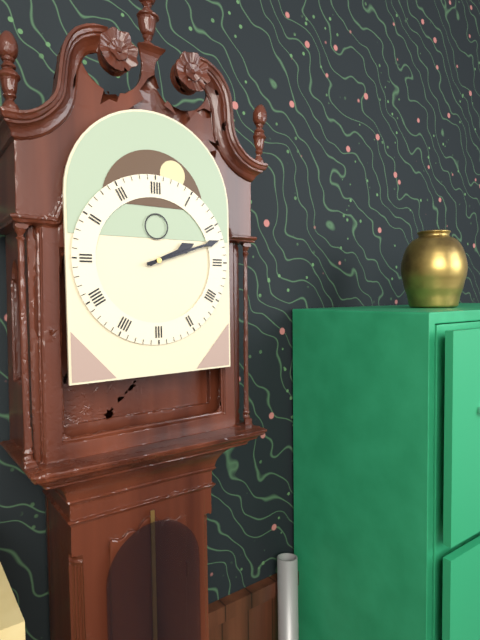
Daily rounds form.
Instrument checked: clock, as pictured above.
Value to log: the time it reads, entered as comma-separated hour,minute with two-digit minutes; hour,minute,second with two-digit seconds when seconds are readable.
2,12
